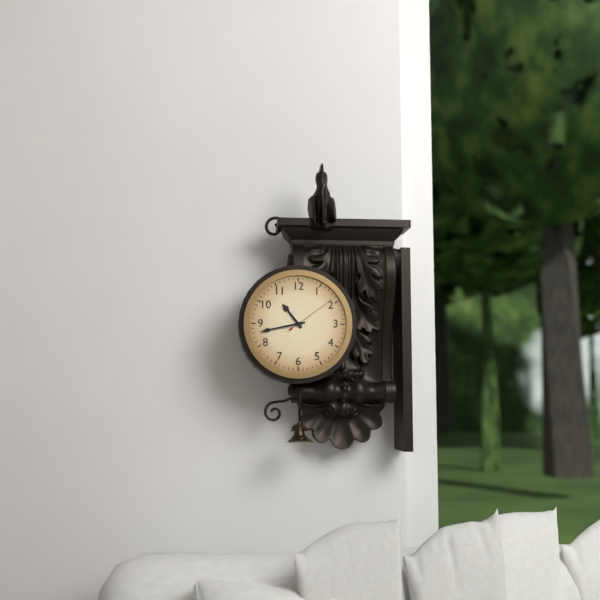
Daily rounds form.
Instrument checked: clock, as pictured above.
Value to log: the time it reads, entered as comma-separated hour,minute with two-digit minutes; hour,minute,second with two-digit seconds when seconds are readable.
10,43,09
